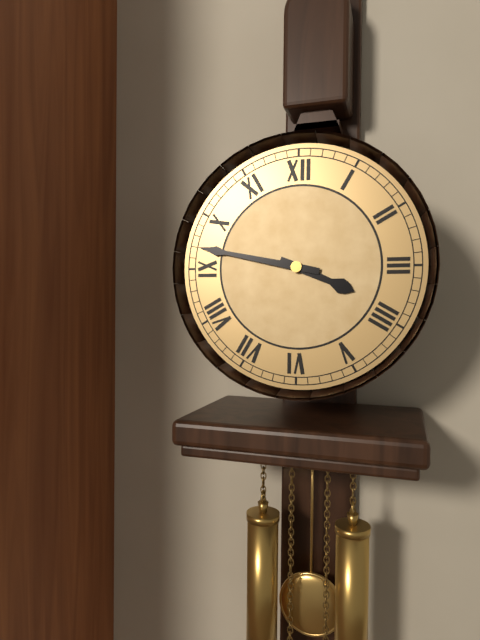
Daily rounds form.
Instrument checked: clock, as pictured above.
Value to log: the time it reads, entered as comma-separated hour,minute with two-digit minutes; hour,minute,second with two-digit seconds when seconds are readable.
3,47
